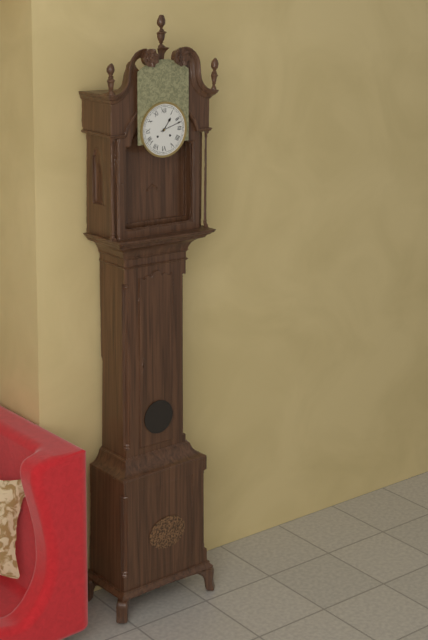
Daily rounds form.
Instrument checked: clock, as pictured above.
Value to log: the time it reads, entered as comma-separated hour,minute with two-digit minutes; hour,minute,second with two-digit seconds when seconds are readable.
1,12
